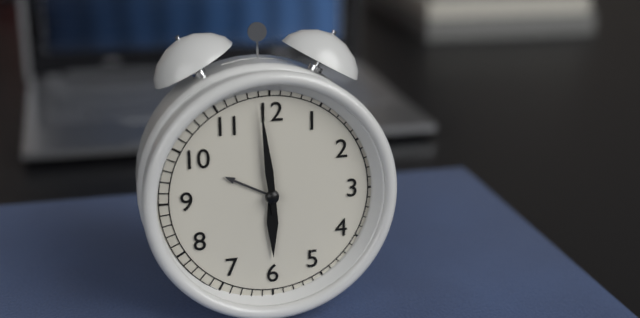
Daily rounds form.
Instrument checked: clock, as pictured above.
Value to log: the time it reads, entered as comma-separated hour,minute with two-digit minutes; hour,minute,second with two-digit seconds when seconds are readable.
5,59
